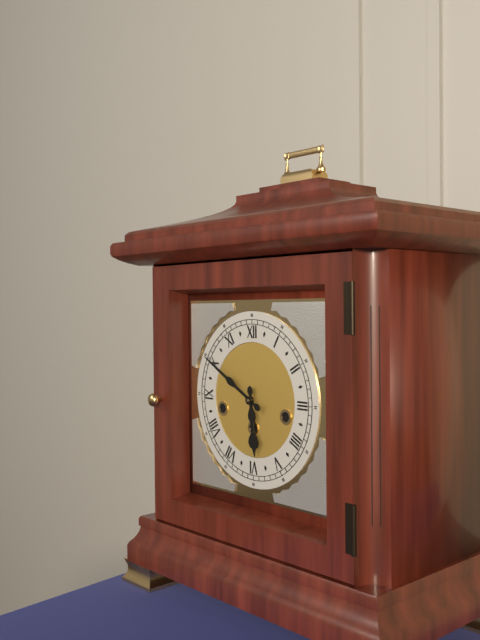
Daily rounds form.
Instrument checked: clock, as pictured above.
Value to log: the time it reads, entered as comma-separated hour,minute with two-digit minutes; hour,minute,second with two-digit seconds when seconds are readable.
5,50
